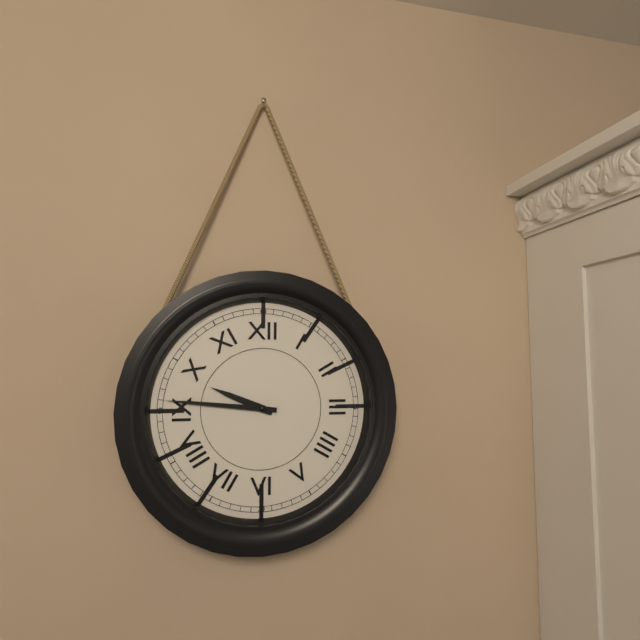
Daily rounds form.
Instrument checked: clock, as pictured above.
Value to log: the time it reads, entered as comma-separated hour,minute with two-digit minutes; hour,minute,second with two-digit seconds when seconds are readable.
9,46
